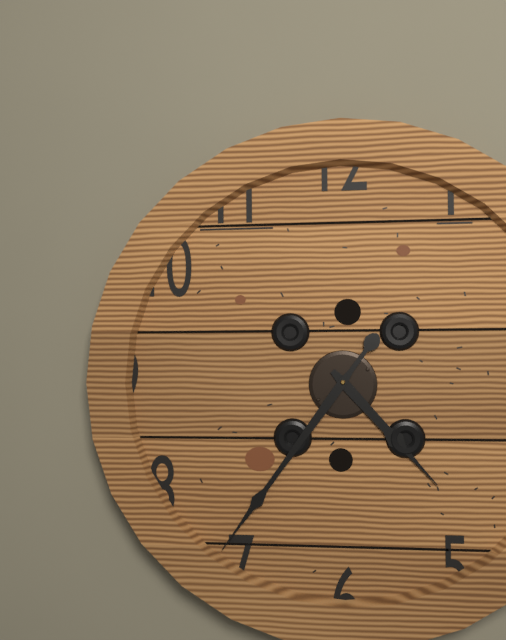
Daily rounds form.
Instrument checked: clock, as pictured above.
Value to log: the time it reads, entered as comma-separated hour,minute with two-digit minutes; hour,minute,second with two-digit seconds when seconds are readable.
4,36
